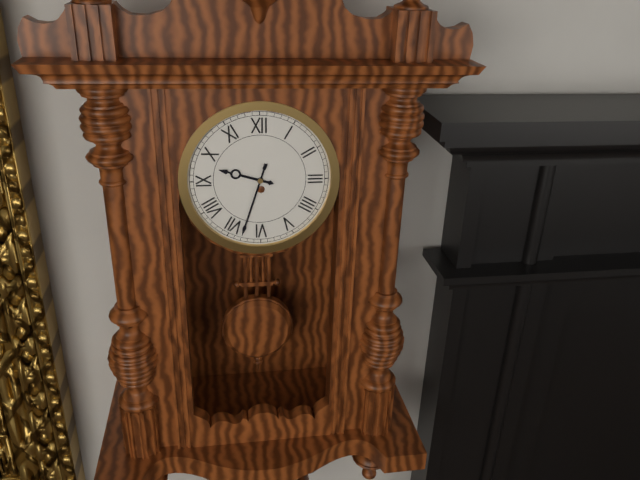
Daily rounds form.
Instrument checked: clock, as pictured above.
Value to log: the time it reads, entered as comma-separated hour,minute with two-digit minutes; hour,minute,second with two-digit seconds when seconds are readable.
9,33
